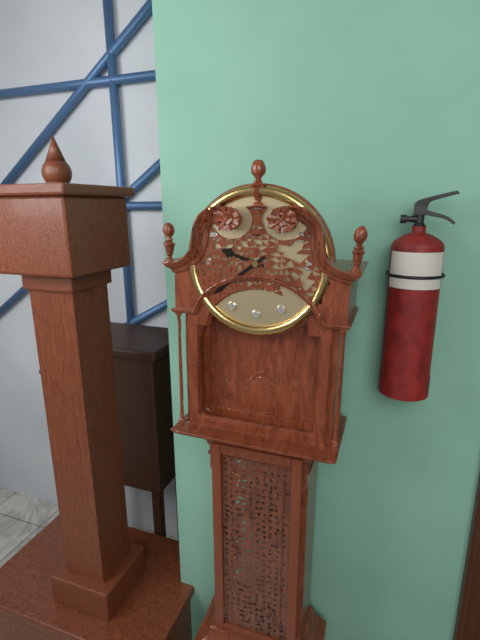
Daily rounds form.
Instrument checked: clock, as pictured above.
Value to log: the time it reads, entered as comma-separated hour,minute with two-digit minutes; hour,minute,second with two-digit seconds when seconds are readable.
9,39
